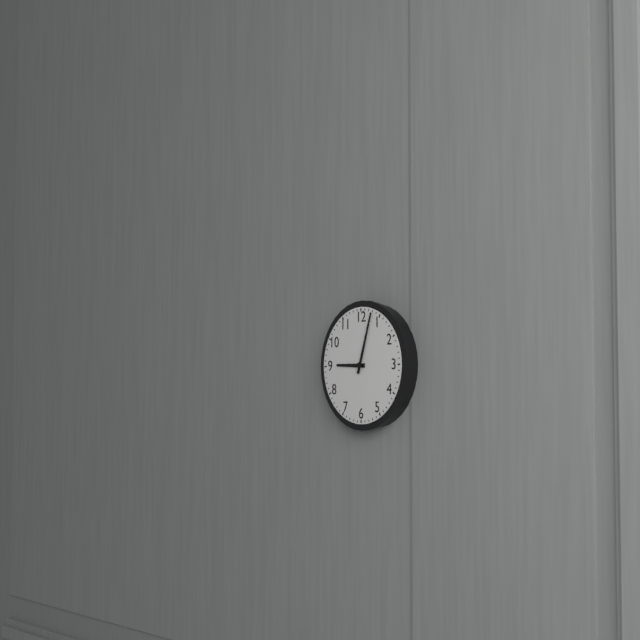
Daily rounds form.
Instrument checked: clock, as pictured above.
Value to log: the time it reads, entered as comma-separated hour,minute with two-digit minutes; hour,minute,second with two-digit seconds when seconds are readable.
9,03
